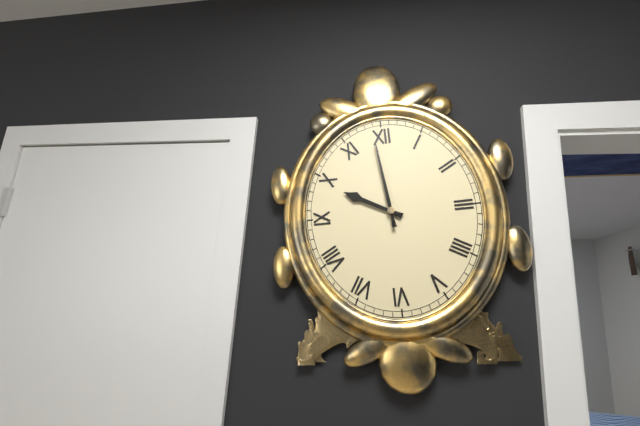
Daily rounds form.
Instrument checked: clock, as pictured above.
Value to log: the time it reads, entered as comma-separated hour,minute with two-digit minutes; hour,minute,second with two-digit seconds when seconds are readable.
9,59
